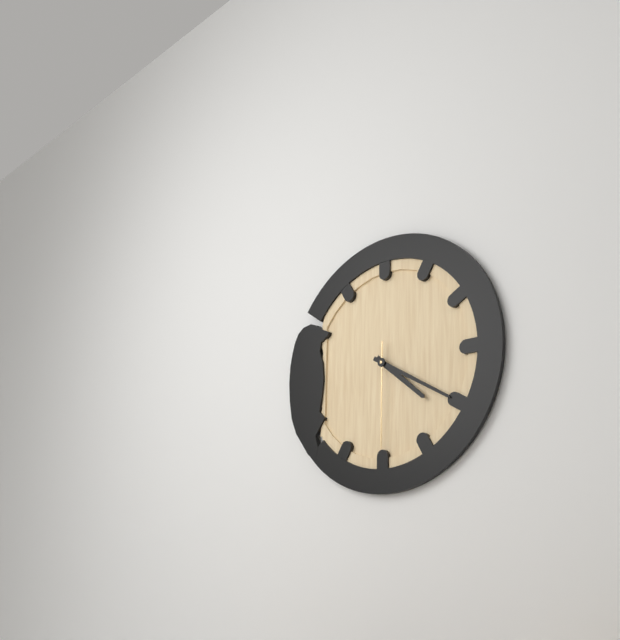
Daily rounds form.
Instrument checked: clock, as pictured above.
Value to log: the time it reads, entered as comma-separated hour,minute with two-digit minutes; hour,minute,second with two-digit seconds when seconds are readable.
4,20,30
